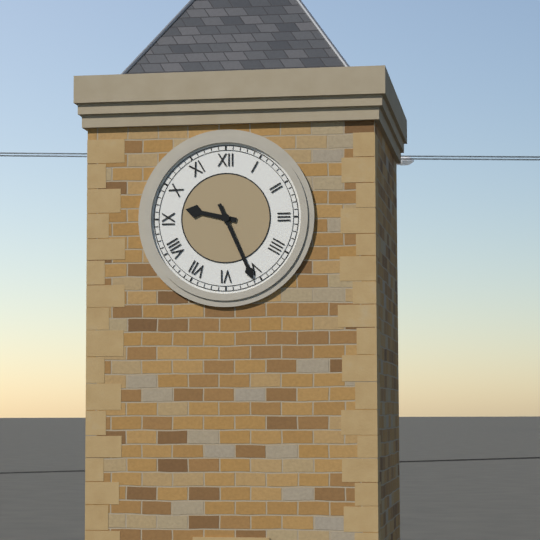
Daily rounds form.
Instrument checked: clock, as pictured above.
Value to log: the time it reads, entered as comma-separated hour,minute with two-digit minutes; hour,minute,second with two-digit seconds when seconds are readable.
9,26
